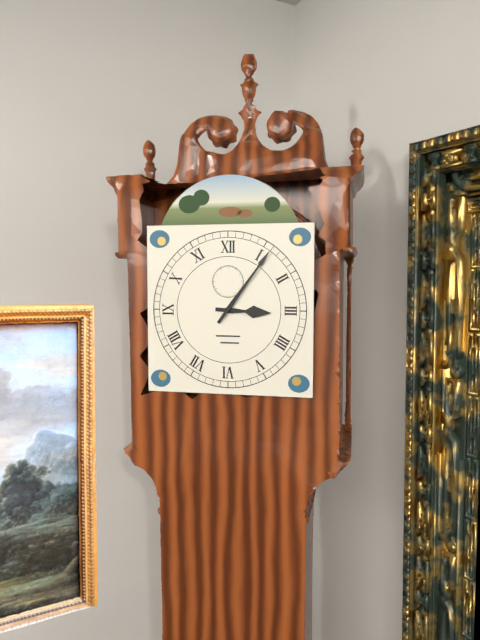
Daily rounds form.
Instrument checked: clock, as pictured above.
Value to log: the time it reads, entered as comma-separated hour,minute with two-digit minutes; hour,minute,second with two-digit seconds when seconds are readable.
3,06
